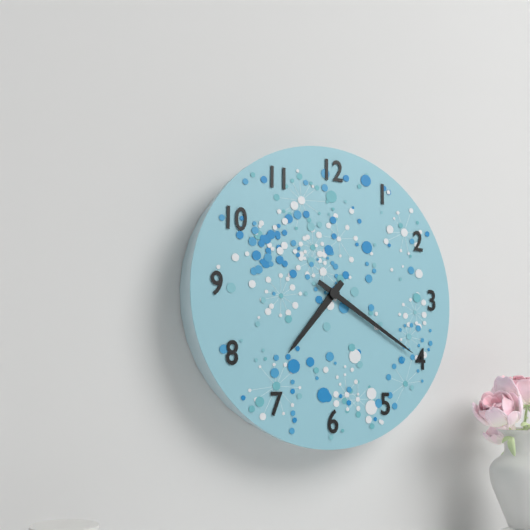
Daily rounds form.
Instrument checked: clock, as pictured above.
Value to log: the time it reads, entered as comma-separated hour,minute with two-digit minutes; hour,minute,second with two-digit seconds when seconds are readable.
7,20
